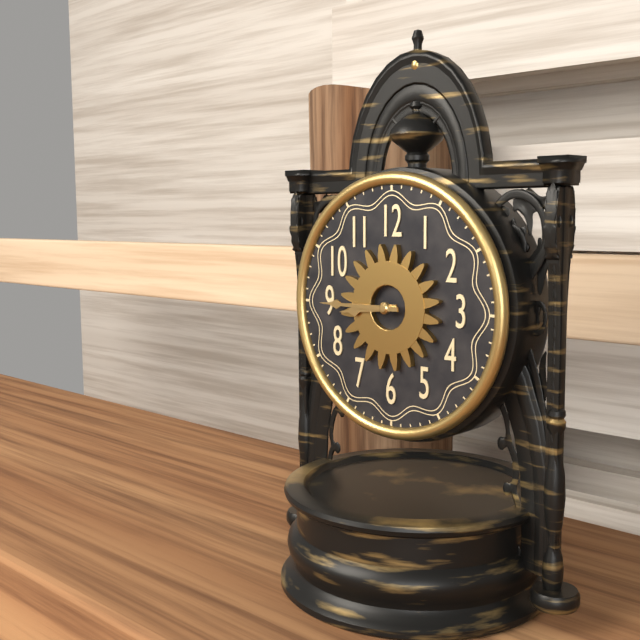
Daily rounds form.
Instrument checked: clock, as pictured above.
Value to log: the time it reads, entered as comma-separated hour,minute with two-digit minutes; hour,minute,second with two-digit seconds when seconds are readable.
8,45
